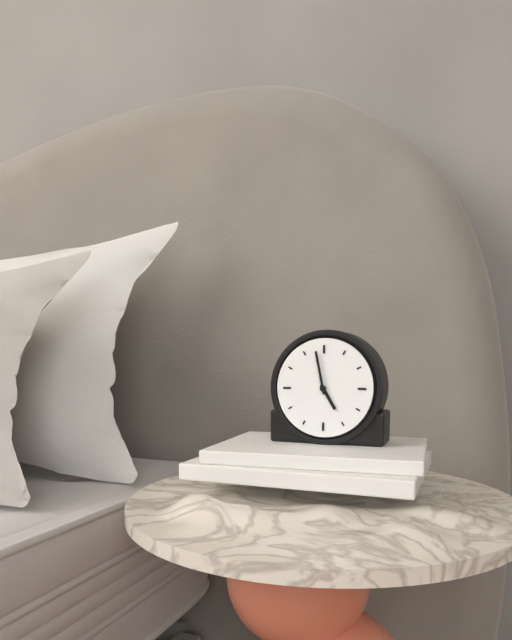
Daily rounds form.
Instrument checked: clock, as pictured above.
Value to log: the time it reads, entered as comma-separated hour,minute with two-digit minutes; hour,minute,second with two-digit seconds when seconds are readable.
4,58
